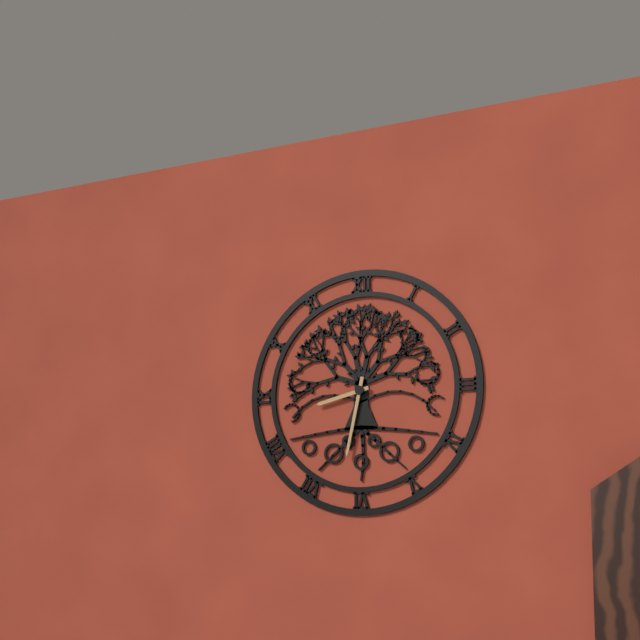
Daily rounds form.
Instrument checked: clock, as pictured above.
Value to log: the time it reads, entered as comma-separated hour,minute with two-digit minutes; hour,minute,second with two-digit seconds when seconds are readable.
8,32
